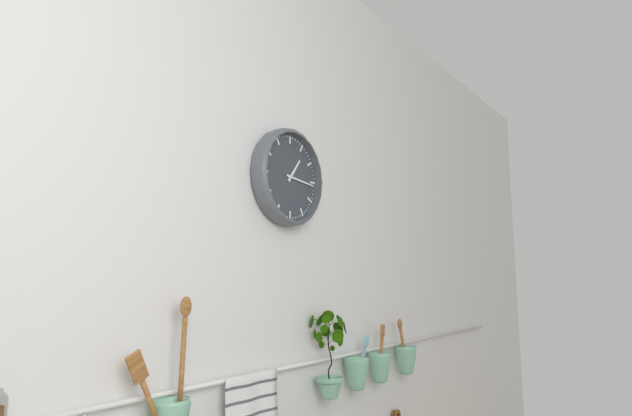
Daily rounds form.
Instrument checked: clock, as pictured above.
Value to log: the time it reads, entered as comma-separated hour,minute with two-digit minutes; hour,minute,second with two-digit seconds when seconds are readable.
1,16
